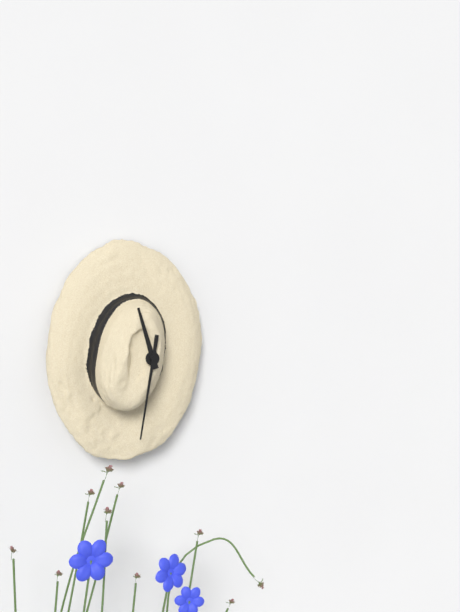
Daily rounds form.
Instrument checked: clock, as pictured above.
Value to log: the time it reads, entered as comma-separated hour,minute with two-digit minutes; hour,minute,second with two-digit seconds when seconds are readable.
11,32
